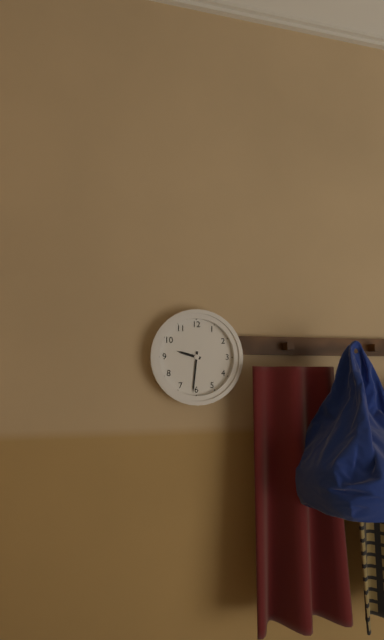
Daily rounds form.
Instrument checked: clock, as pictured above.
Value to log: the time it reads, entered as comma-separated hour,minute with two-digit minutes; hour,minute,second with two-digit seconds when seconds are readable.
9,31
